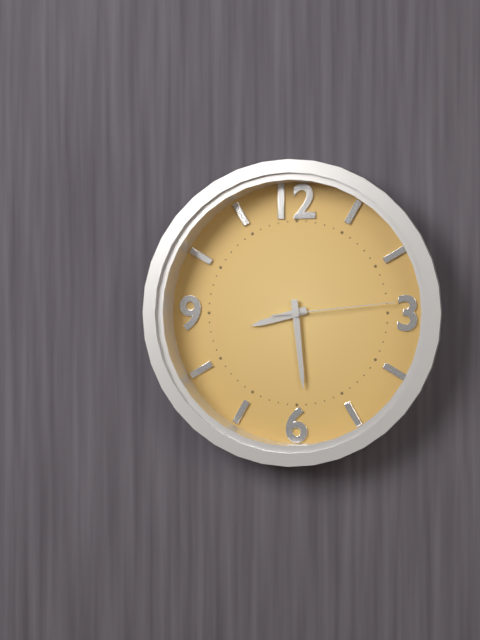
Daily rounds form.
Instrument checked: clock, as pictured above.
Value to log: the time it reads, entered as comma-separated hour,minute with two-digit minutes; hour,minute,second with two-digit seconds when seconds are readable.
8,29,14
